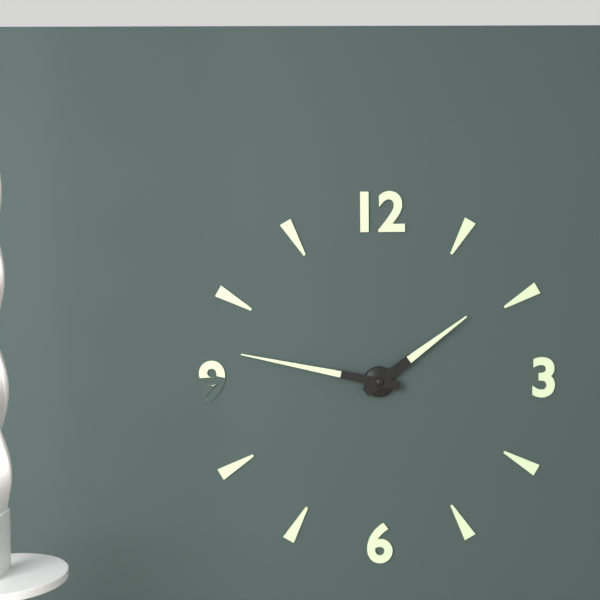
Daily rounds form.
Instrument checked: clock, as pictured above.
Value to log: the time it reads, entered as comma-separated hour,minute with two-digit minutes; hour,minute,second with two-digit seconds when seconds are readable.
1,47
